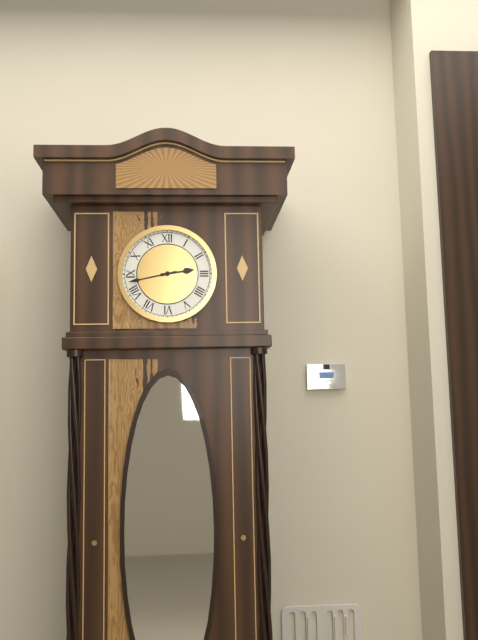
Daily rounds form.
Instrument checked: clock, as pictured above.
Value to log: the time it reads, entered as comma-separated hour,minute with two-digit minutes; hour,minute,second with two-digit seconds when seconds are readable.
2,43
